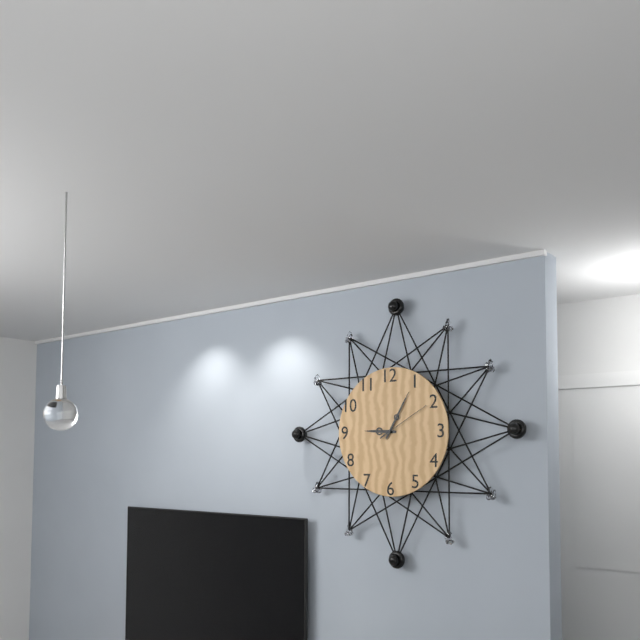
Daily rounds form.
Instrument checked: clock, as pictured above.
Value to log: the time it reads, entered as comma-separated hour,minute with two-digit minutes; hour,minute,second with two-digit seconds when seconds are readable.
9,05,10
